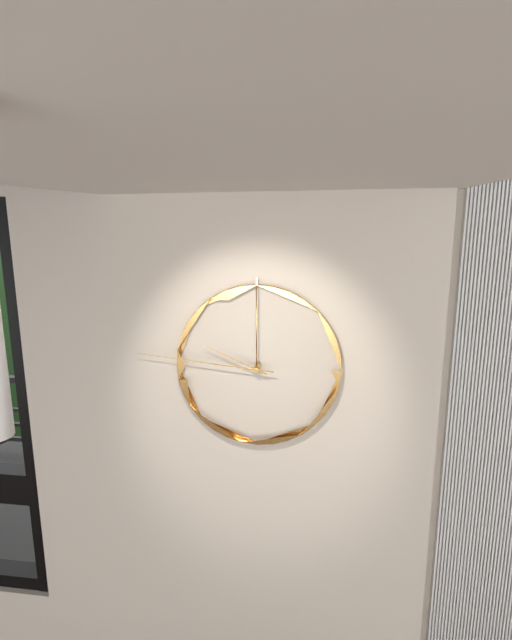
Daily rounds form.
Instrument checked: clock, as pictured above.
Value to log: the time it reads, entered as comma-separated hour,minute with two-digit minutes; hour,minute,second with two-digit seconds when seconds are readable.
9,46
